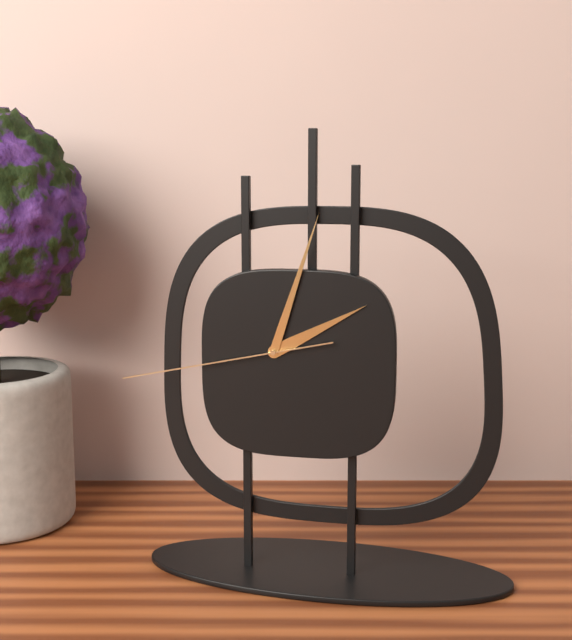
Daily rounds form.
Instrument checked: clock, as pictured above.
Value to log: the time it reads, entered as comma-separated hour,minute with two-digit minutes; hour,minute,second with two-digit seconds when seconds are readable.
2,03,43
